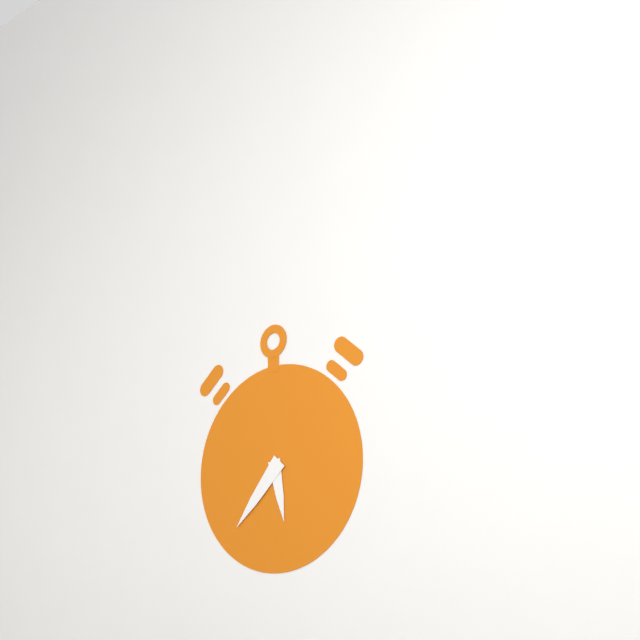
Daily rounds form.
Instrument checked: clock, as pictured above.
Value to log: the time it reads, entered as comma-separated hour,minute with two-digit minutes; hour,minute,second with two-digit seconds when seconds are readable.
5,37
